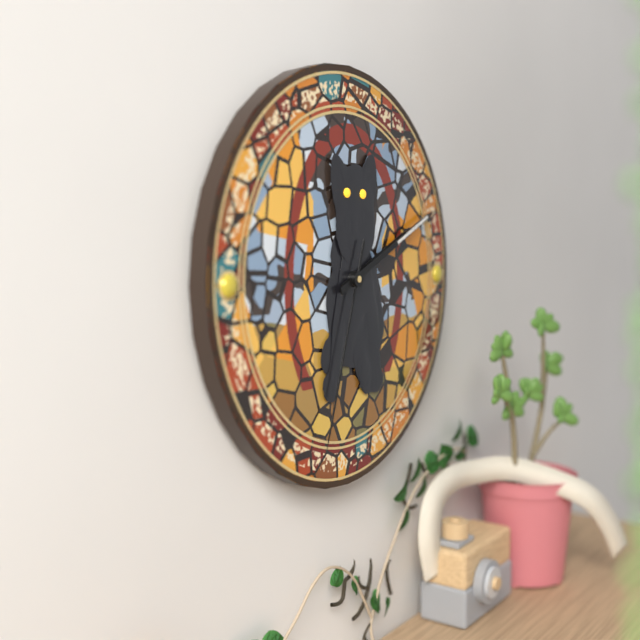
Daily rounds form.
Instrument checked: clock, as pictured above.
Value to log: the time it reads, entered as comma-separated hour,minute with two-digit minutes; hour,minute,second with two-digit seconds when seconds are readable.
2,11,33
